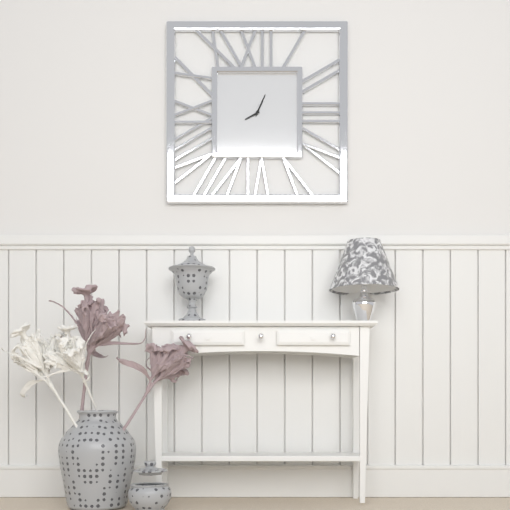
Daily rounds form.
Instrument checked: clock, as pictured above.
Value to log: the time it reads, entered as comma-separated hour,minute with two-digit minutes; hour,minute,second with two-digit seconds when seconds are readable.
8,04
